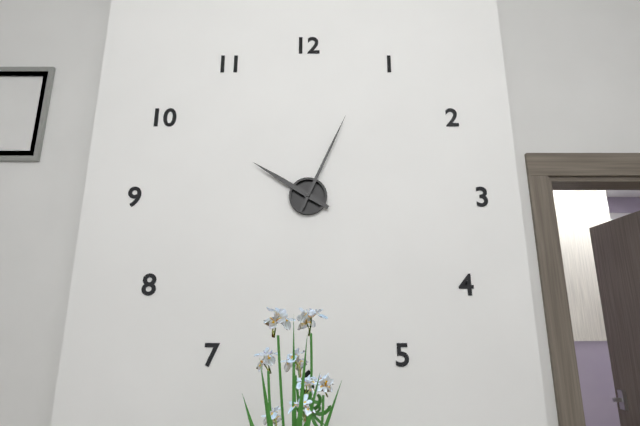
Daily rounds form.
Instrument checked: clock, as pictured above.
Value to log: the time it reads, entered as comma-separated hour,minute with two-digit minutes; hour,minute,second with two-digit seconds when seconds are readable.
10,04
